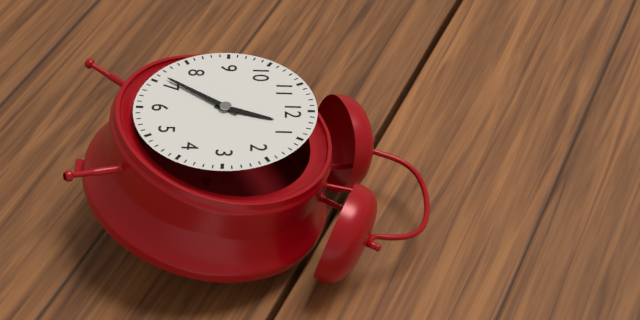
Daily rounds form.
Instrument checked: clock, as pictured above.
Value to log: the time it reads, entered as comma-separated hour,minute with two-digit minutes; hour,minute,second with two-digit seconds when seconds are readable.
12,36
